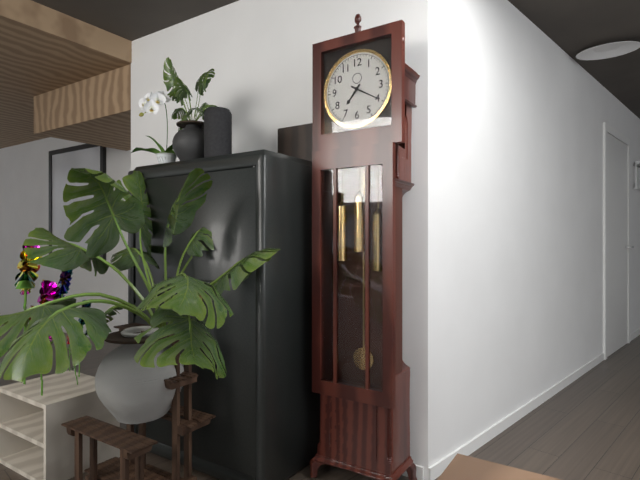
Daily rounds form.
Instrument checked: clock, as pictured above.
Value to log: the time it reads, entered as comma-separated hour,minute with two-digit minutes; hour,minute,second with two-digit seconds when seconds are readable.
7,20
